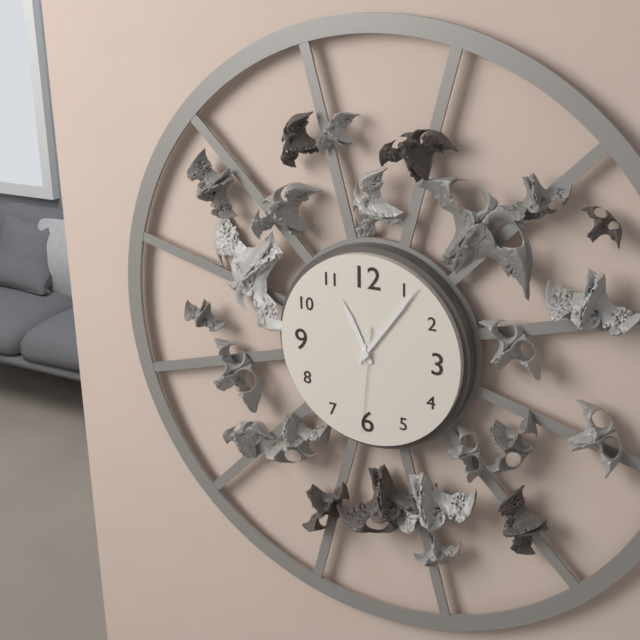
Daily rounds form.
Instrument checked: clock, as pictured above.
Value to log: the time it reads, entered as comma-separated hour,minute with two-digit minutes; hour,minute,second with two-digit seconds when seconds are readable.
11,06,31
